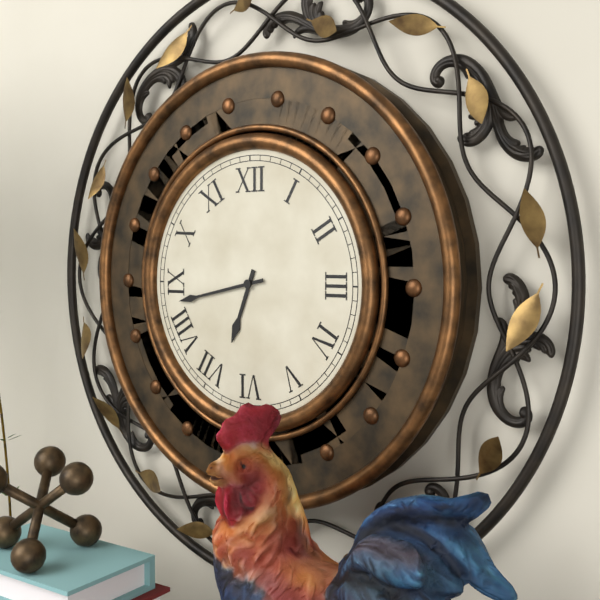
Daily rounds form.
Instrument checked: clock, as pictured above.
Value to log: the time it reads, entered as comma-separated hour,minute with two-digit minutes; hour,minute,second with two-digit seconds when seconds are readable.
6,43
